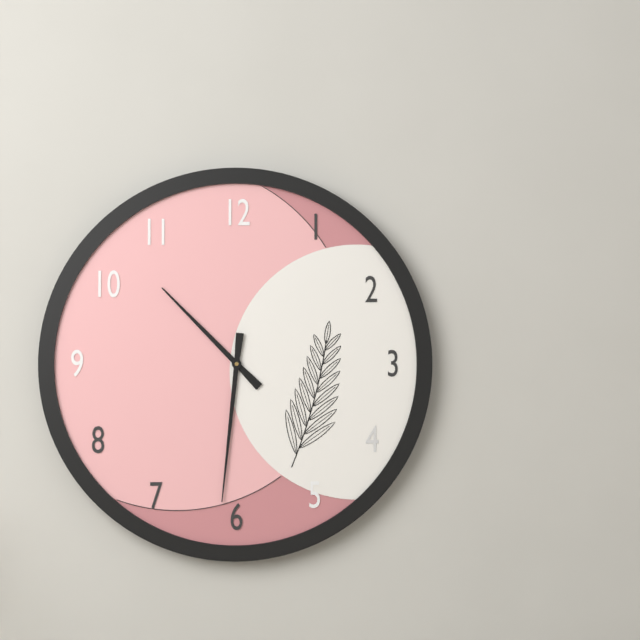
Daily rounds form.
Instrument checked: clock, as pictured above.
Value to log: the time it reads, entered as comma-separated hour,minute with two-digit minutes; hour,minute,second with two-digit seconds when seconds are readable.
10,31
